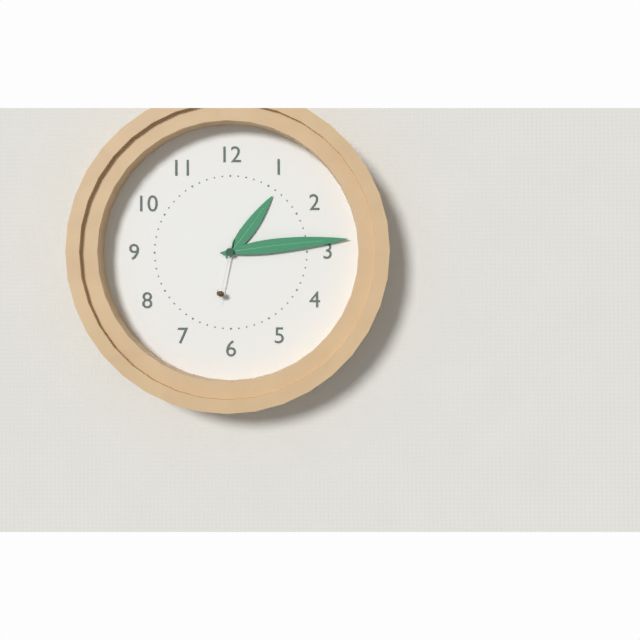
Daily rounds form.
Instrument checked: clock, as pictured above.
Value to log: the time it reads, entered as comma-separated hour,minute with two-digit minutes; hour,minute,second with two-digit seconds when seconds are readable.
1,14,32
